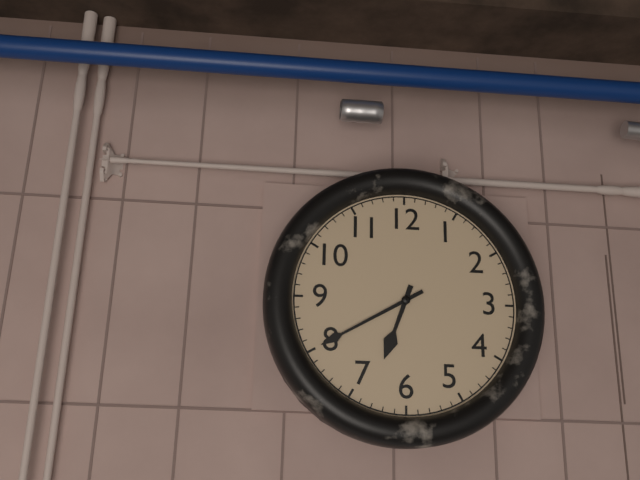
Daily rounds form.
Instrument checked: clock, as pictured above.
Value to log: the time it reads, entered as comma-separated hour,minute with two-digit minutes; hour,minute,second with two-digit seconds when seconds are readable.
6,40
